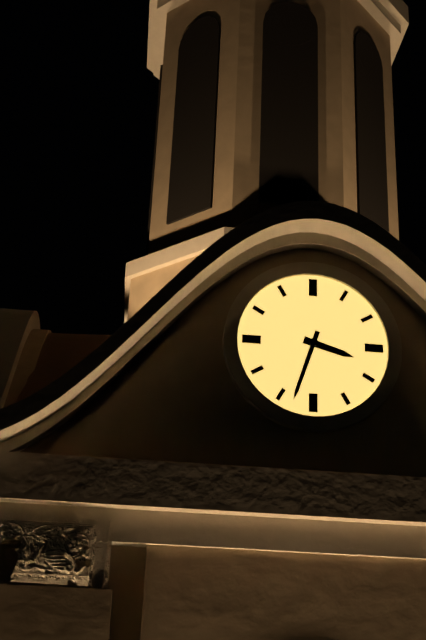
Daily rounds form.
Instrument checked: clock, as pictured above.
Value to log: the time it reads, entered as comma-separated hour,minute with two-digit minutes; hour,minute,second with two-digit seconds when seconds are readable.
3,33
